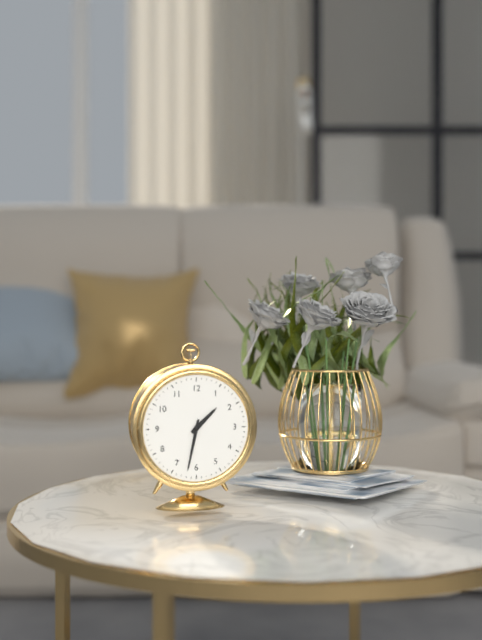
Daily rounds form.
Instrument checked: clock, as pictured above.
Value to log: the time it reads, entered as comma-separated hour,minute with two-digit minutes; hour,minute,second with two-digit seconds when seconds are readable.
1,32
